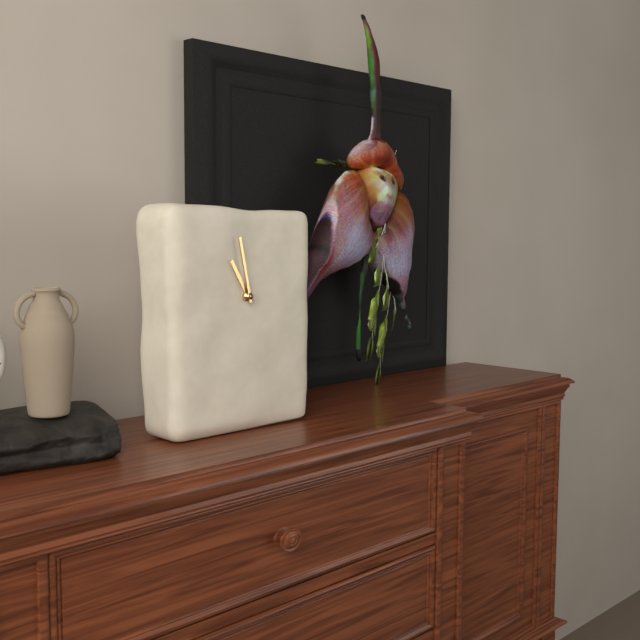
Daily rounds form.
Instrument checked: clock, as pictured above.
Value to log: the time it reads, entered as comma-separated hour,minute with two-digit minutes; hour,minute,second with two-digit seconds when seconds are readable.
10,58
